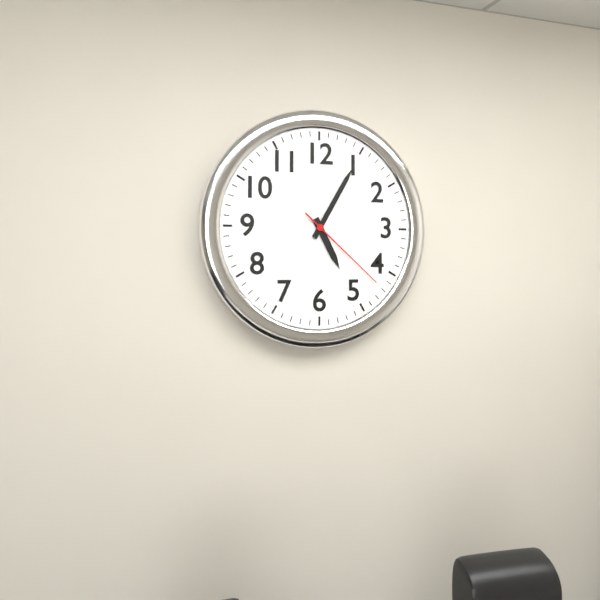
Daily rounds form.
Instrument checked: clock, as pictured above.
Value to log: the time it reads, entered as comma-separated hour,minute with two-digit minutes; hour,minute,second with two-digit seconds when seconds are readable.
5,05,22
